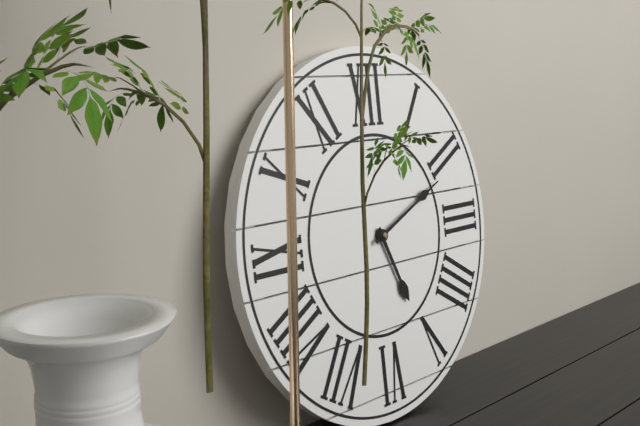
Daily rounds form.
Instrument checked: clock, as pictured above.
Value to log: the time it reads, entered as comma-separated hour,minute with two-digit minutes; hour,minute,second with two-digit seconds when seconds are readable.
5,11
